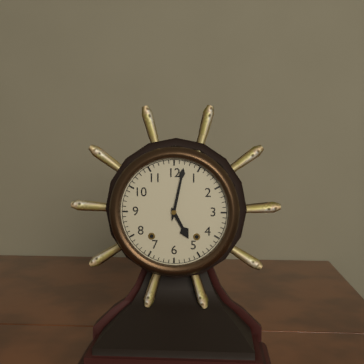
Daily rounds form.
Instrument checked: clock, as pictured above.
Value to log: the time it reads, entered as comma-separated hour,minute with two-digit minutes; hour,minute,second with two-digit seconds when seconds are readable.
5,02
